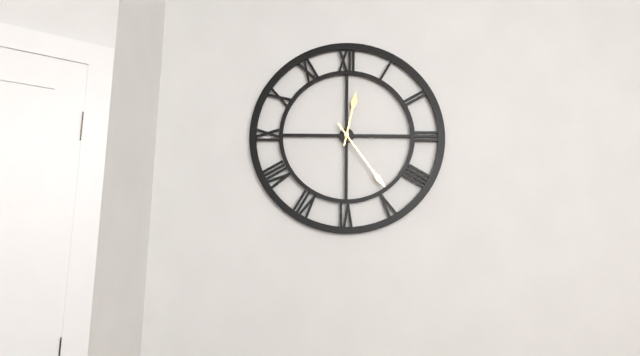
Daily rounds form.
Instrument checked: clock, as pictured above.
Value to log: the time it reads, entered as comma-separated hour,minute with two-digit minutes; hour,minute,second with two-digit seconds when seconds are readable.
12,24
